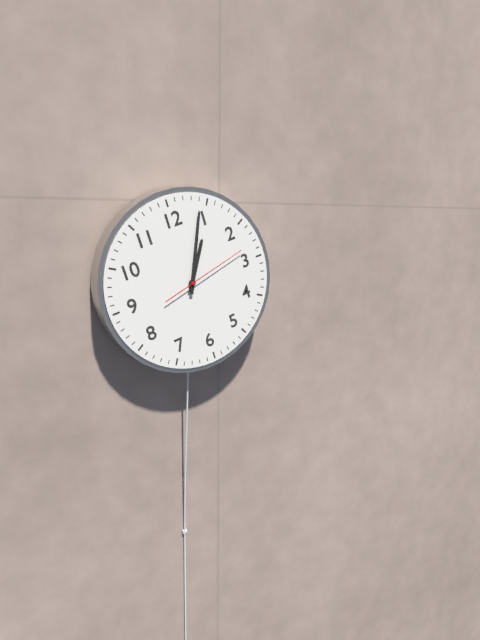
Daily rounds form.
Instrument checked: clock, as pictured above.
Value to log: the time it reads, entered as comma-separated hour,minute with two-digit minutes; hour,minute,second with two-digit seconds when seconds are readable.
1,04,13
